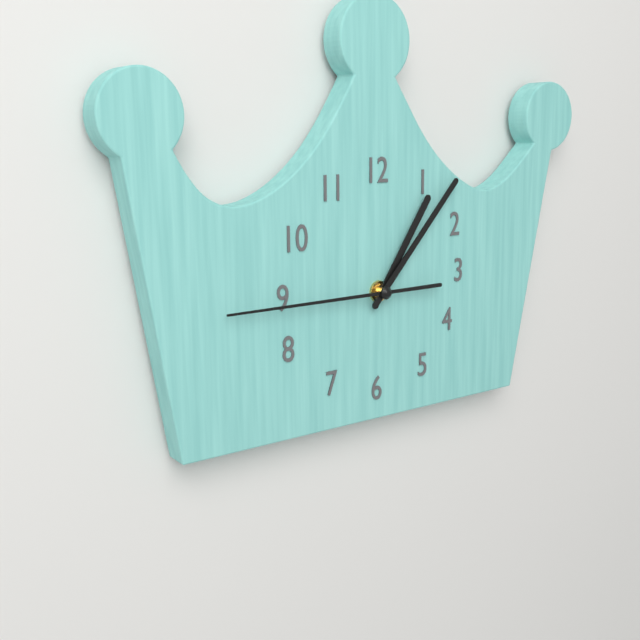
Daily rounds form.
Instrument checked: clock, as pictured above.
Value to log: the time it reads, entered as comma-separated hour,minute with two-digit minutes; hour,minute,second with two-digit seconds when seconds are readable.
1,07,45
